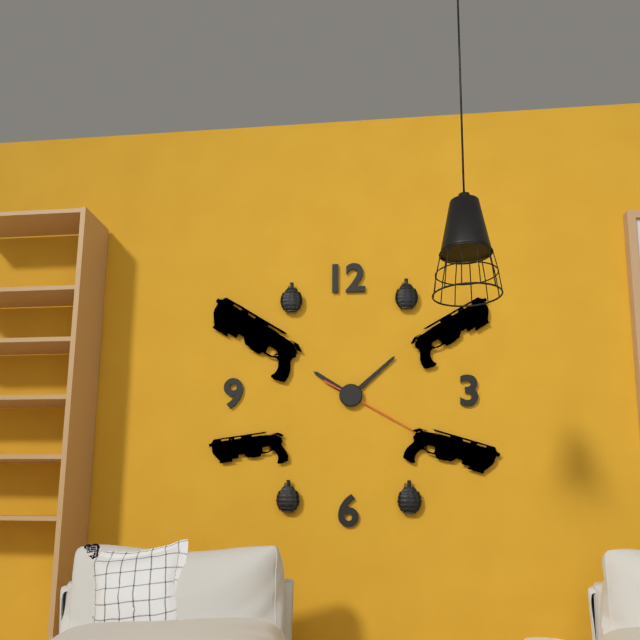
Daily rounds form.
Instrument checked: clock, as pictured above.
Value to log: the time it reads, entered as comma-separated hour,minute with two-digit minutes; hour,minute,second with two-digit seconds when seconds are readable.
10,08,20
